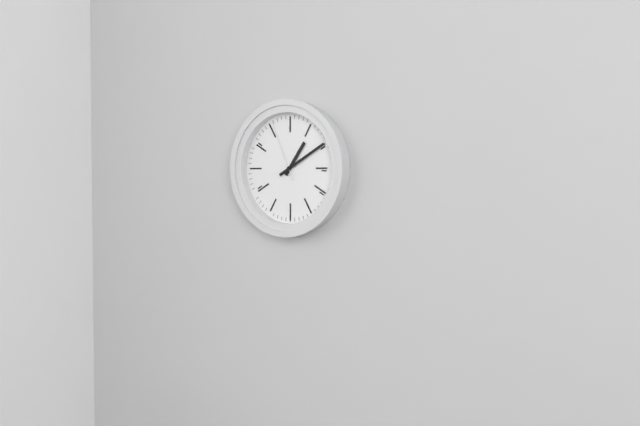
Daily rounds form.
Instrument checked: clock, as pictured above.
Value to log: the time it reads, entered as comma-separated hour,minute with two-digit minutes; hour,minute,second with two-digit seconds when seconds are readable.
1,10,56
